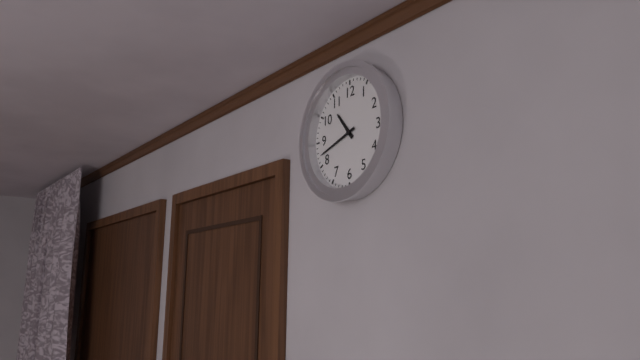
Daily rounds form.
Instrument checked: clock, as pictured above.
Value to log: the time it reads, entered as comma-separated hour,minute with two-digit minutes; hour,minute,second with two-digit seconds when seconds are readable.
10,42
